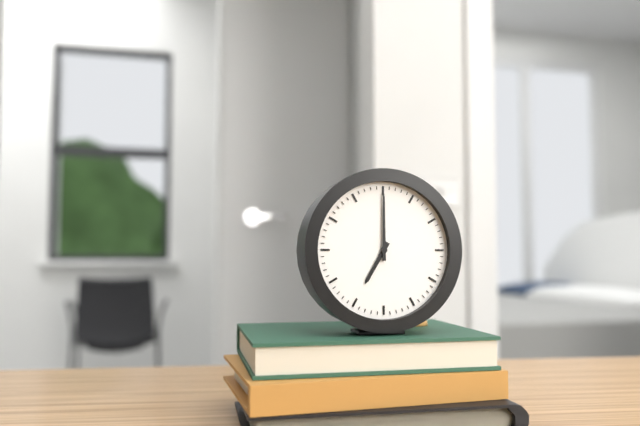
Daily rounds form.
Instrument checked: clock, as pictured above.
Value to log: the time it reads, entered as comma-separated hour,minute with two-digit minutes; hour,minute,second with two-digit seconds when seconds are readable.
7,00
